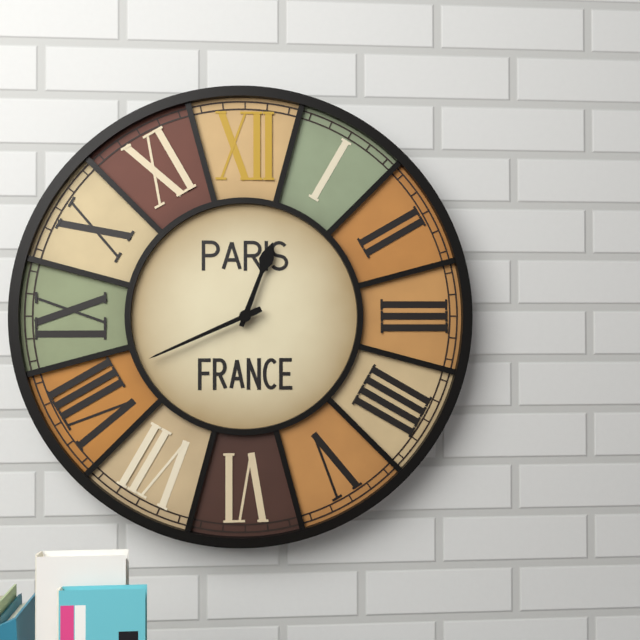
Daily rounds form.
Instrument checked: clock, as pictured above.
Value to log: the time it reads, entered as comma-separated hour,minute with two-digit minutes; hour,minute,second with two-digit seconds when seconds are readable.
12,41
